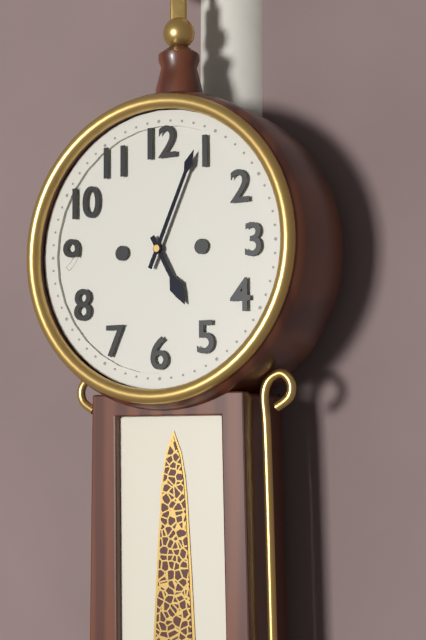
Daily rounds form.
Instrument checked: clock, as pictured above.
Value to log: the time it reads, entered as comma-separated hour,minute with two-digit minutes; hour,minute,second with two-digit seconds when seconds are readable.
5,04
